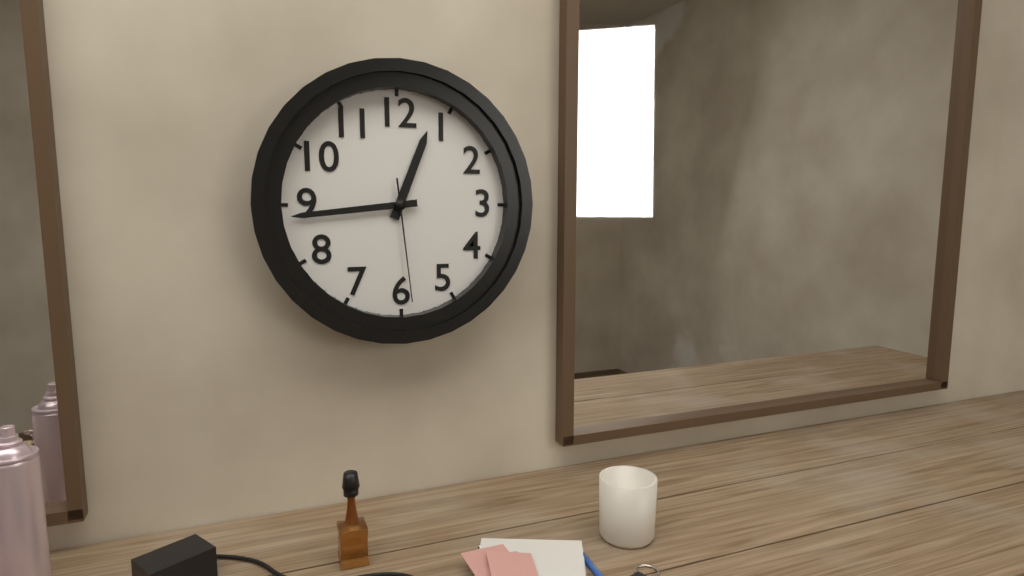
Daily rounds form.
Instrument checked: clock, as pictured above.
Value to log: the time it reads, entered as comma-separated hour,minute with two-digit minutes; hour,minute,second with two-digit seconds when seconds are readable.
12,44,29
